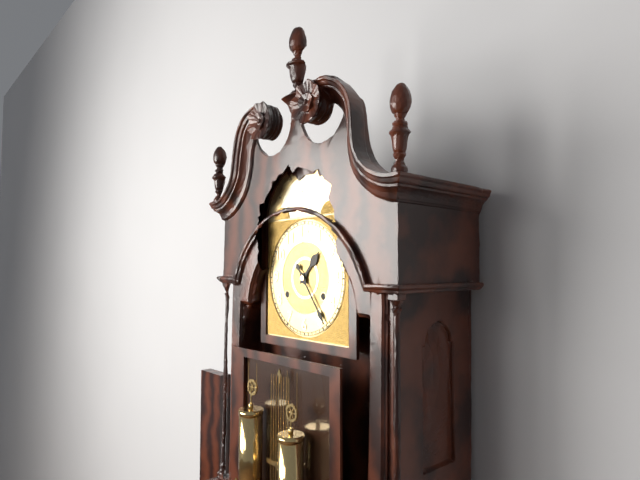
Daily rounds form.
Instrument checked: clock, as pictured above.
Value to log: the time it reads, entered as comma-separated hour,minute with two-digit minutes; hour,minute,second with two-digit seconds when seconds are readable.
1,24
